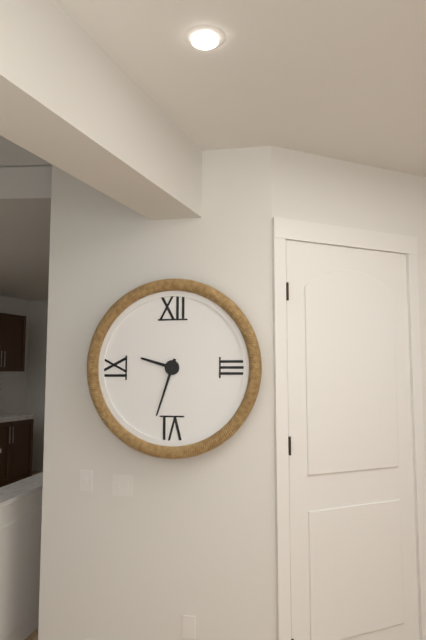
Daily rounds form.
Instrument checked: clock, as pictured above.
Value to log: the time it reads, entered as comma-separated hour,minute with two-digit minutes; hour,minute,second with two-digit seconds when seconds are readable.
9,33
